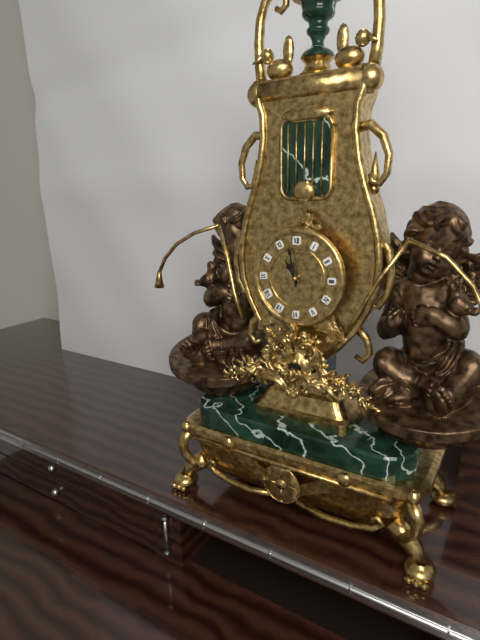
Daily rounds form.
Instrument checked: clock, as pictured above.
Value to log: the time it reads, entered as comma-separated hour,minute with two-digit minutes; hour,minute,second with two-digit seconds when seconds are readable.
10,58
